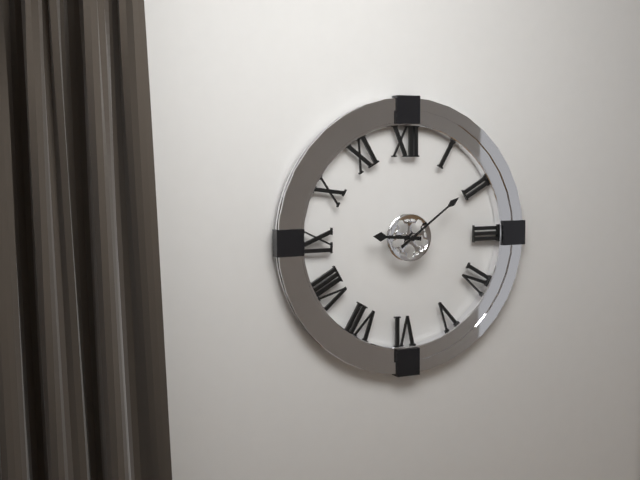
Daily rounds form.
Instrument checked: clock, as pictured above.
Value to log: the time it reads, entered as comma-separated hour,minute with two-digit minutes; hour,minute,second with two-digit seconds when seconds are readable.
9,09
